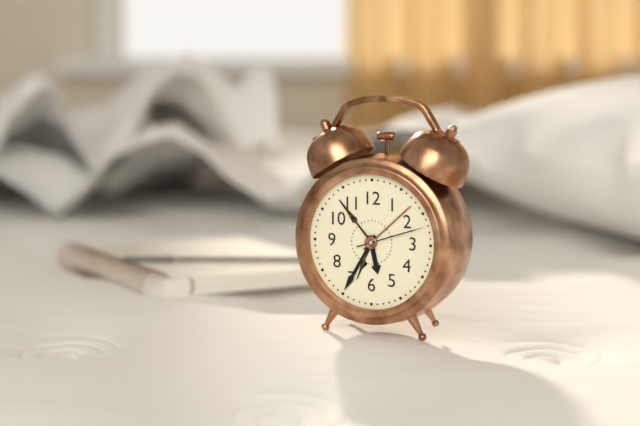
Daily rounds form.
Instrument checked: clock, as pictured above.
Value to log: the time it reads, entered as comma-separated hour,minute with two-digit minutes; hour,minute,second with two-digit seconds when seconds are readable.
5,35,12
